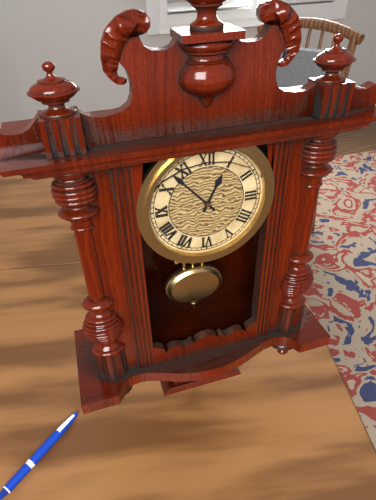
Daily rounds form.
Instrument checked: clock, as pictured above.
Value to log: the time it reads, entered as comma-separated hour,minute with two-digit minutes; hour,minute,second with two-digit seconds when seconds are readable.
12,53
